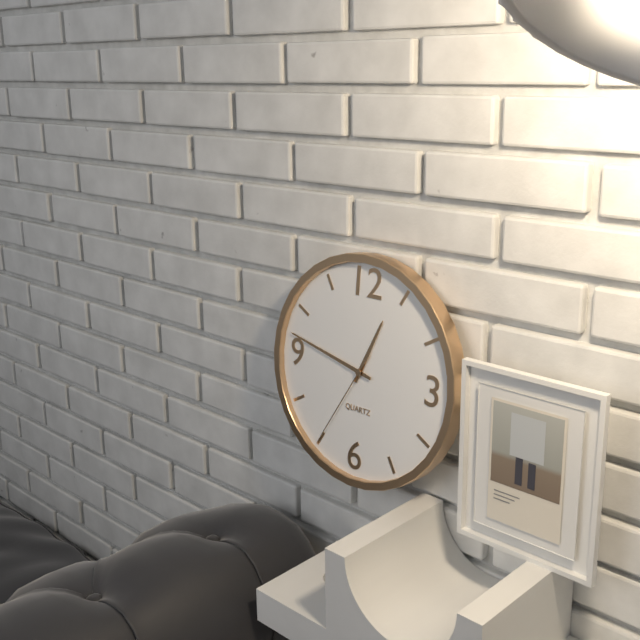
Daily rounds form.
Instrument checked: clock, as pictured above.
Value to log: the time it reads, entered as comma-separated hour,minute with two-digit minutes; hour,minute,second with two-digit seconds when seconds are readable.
12,47,35
